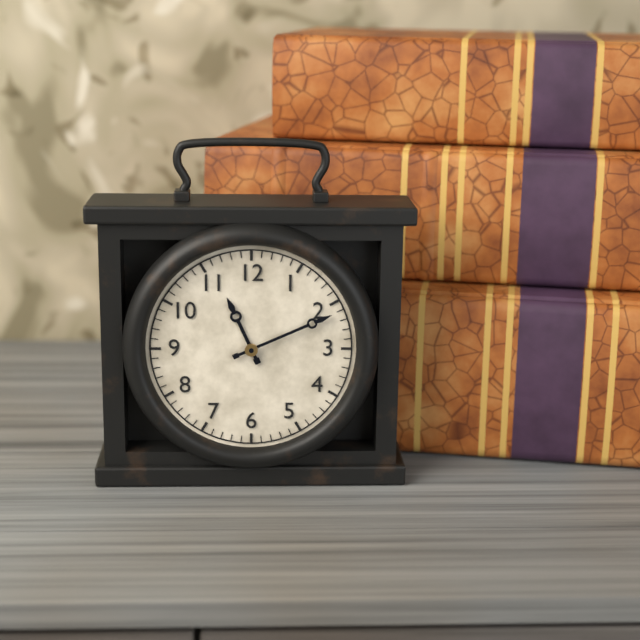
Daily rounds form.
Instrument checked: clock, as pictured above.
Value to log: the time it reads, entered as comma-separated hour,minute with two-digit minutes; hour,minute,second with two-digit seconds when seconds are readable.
11,11
